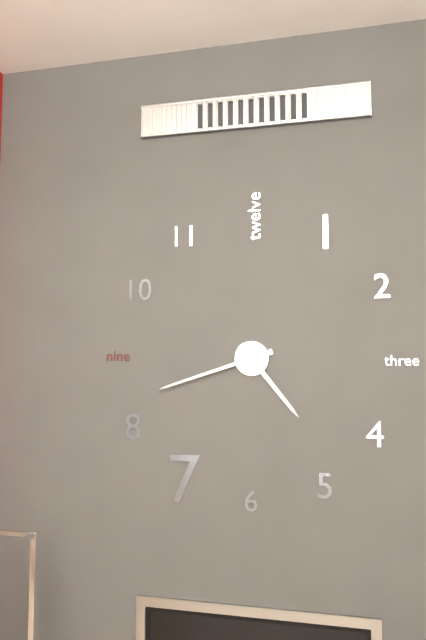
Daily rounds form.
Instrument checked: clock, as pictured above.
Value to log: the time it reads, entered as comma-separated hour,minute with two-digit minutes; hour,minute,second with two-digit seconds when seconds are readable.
4,42
